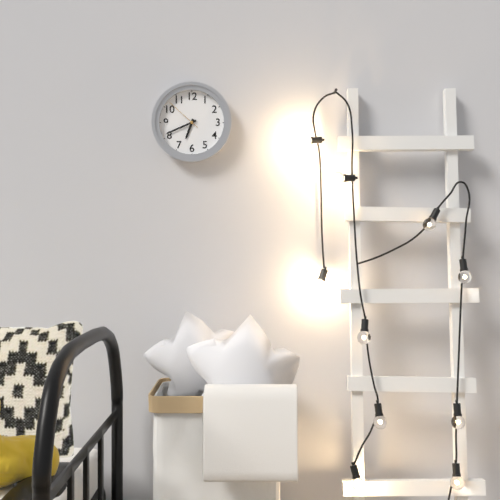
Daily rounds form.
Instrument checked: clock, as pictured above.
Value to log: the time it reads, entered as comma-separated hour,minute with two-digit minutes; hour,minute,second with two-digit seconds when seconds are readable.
6,41
